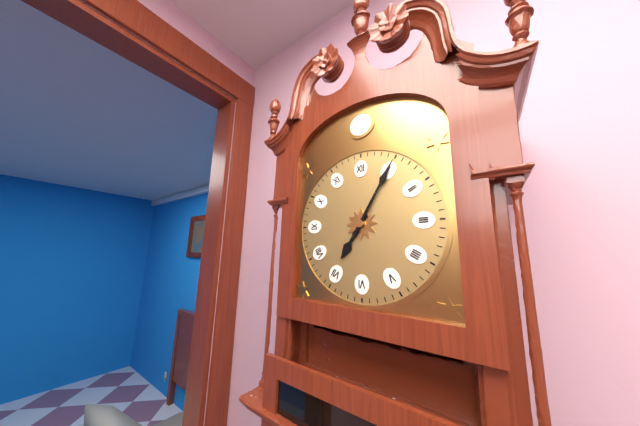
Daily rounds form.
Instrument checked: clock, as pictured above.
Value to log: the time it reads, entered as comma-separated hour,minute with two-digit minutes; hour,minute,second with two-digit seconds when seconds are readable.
7,05
